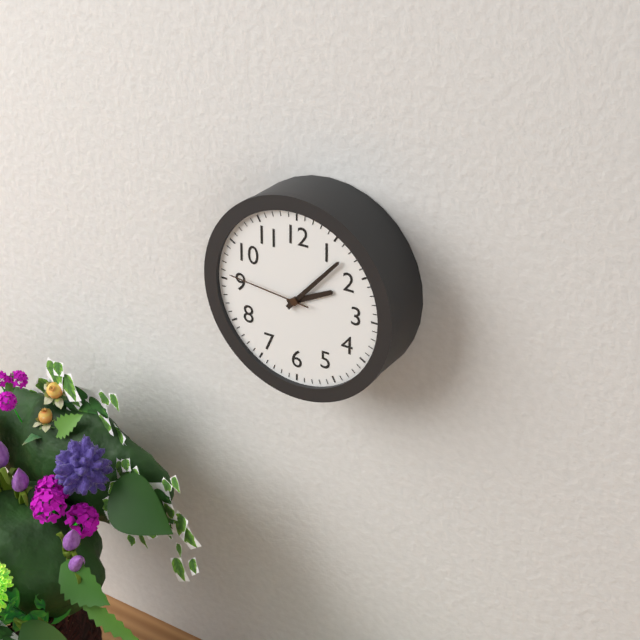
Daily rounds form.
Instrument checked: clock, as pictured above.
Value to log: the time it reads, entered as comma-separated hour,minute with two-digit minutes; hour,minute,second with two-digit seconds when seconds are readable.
2,07,46
